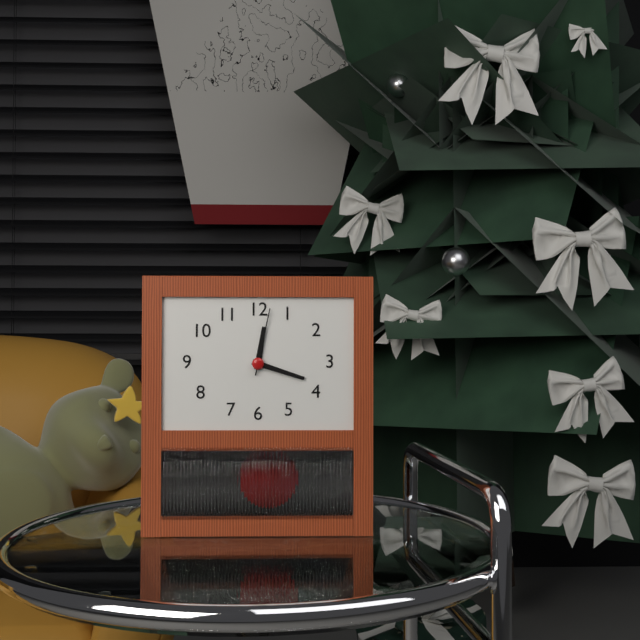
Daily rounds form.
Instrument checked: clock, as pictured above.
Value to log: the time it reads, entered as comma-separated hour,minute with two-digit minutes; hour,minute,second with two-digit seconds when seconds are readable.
12,18,02
